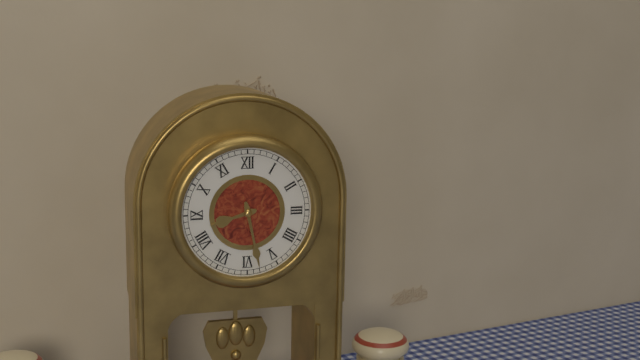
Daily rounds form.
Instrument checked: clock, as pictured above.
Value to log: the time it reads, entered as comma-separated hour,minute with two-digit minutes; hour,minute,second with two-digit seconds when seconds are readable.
8,28
